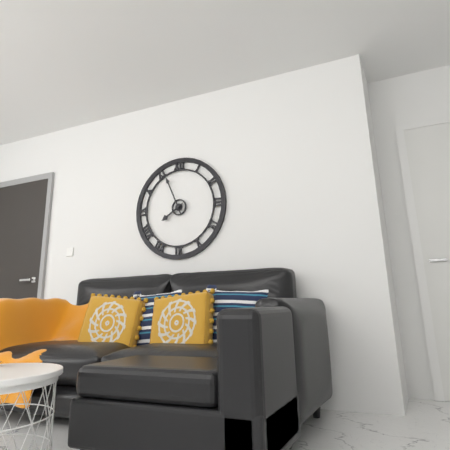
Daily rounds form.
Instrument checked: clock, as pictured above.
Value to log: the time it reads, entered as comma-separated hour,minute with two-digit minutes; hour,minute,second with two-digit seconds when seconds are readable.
7,56
